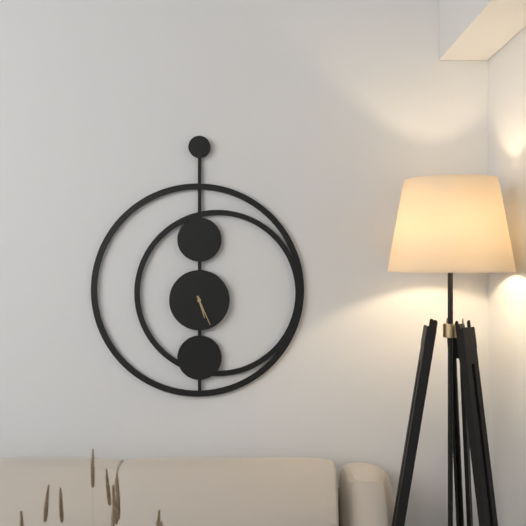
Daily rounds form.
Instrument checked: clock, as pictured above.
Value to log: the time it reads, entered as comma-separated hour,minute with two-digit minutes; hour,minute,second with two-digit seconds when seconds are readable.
5,26
